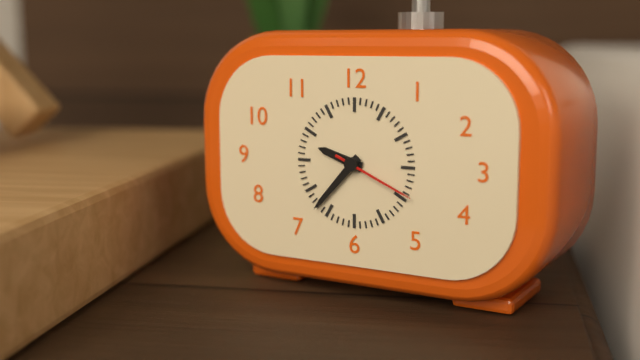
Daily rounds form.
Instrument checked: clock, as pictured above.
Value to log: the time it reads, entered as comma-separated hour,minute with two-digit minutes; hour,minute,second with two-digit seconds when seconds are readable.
9,37,19
